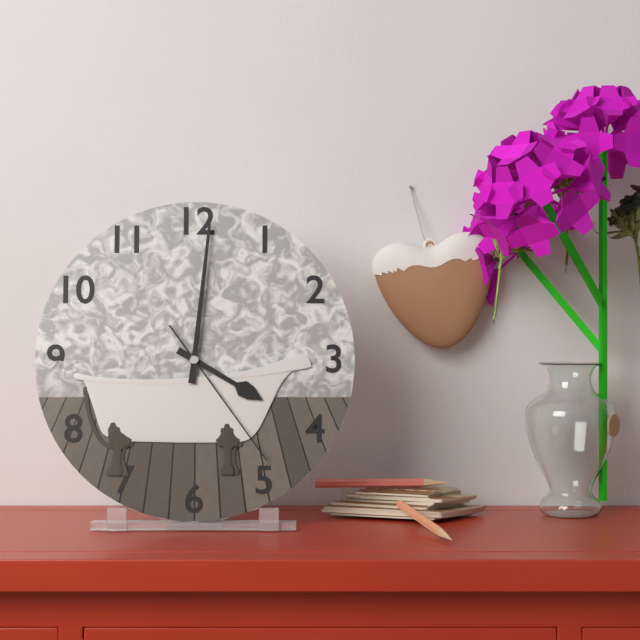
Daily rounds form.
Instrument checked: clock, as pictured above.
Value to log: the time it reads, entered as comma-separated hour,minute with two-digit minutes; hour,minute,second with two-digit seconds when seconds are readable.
4,01,24
